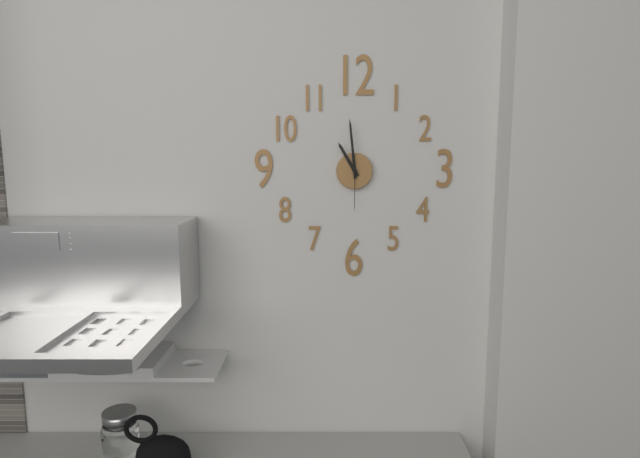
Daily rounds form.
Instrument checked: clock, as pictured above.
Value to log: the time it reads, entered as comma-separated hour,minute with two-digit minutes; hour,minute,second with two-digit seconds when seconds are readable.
10,59,30
